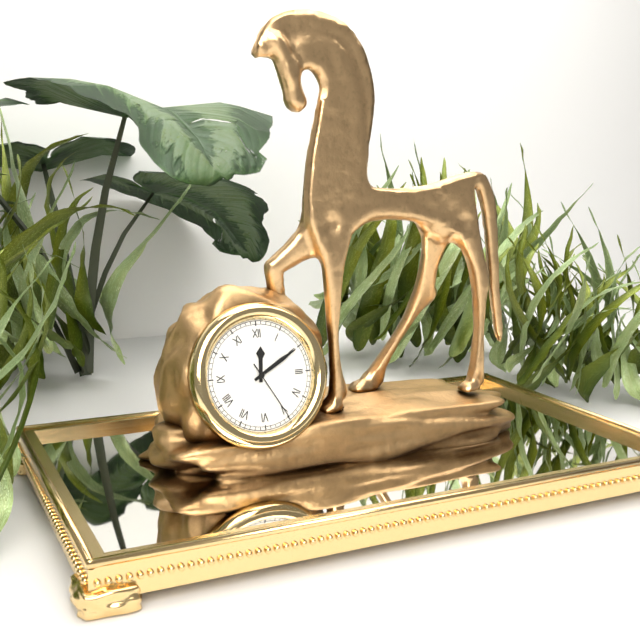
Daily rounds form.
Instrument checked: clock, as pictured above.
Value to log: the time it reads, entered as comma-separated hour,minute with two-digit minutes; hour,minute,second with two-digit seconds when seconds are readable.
12,10,25
